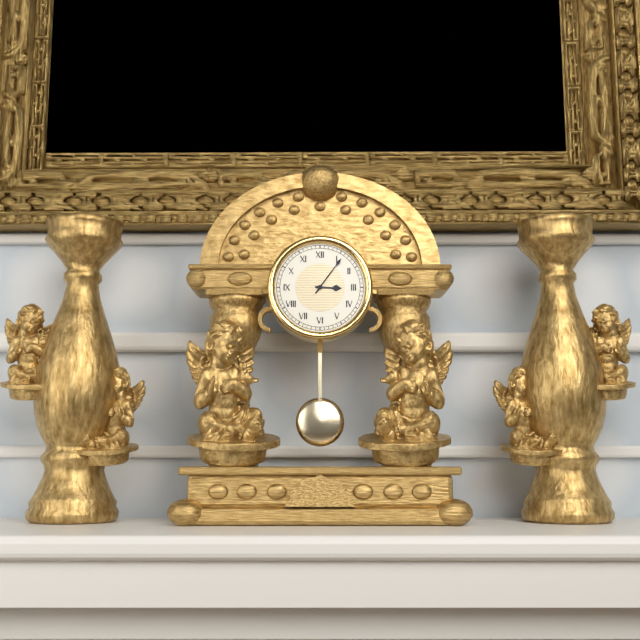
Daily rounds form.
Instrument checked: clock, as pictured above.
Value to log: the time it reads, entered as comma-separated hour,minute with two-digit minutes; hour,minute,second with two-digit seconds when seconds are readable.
3,06
